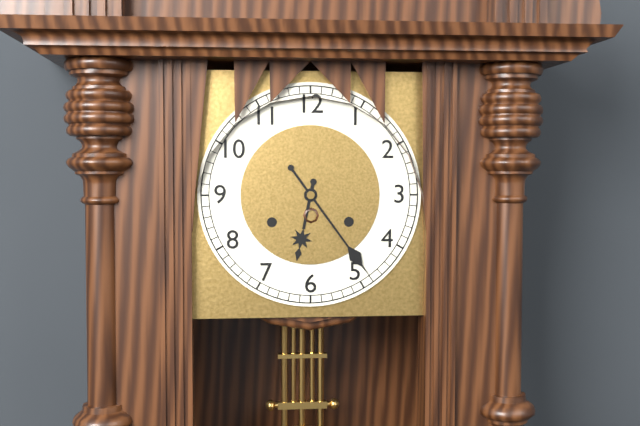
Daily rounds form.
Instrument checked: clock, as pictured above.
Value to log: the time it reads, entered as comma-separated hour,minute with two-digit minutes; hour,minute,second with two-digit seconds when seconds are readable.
6,24
